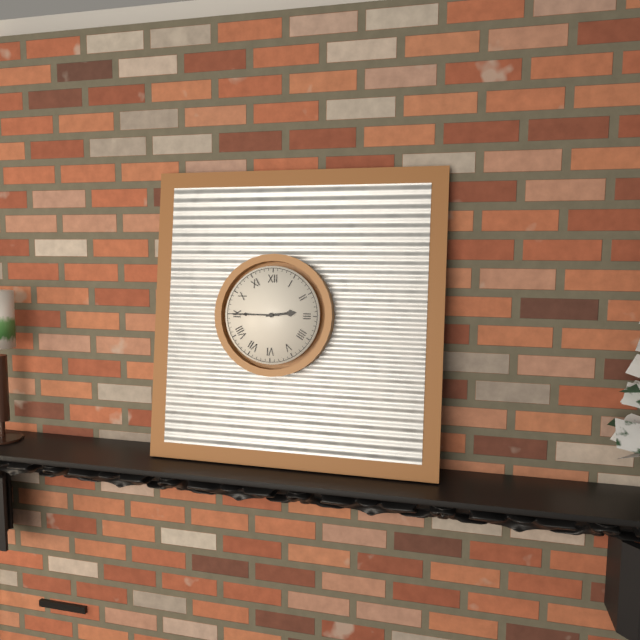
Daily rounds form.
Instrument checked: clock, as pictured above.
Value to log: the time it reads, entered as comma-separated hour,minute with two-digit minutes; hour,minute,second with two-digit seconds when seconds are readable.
2,45
